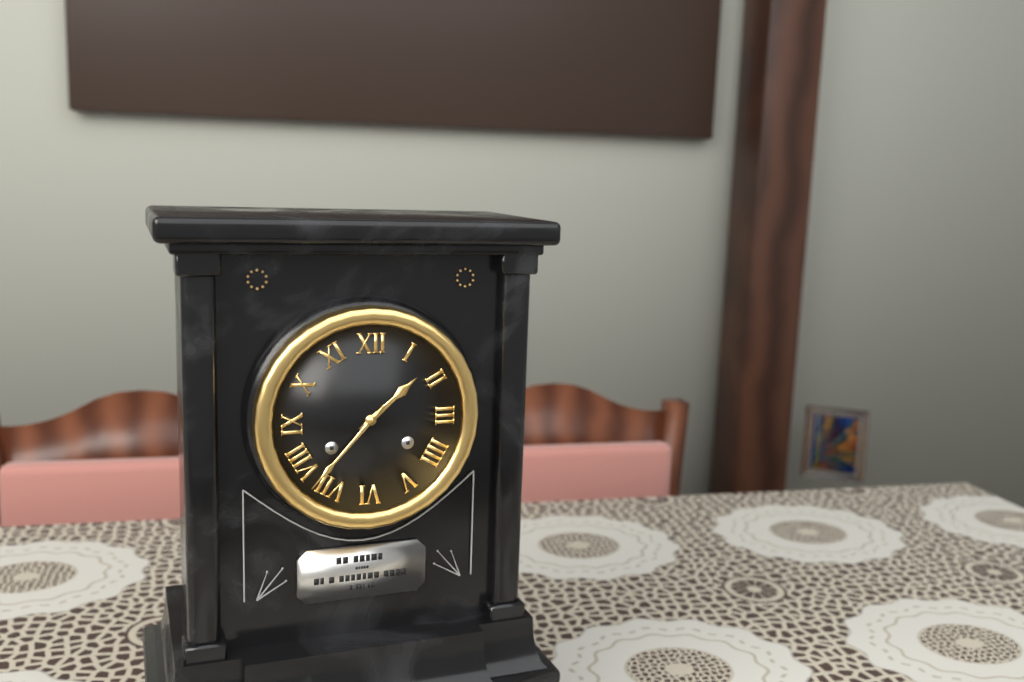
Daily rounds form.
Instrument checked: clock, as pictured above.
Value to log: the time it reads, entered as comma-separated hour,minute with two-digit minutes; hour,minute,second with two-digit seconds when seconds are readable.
1,37
